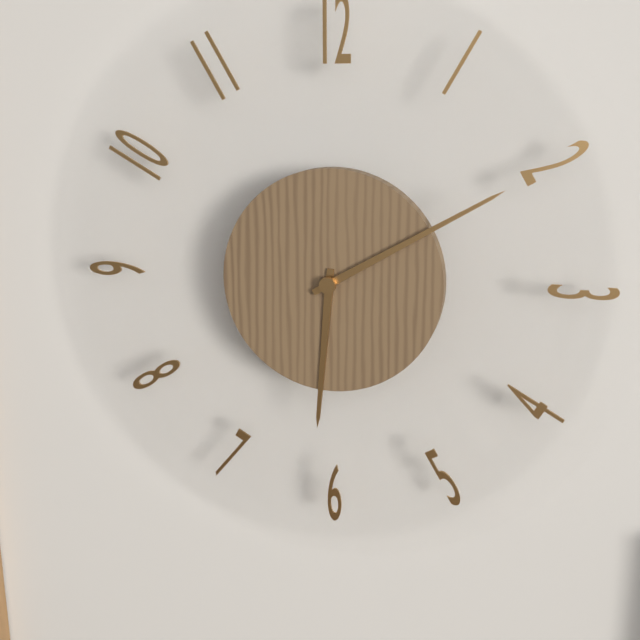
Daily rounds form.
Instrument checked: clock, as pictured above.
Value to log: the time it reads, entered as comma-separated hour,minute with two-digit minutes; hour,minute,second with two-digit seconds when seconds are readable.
6,10
